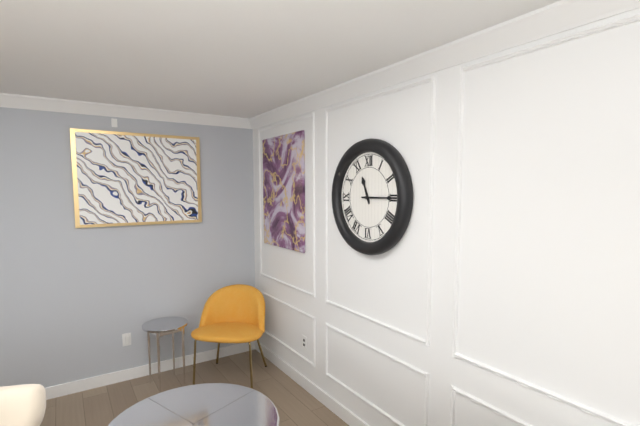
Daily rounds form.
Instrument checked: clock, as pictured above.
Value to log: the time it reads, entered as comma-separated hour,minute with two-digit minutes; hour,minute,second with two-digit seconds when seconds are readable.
11,15
